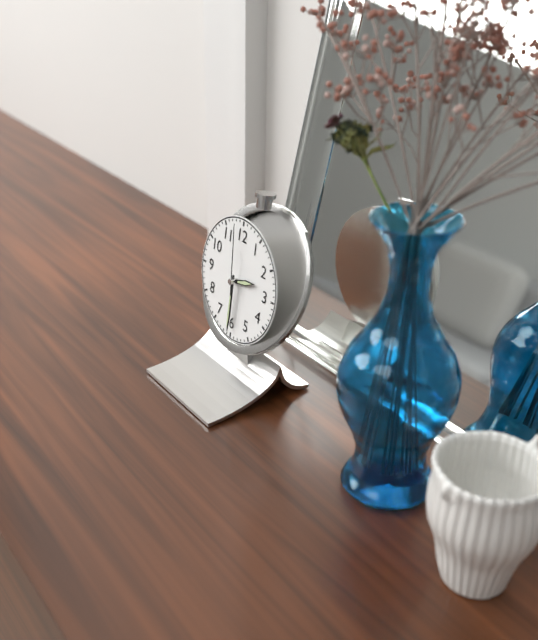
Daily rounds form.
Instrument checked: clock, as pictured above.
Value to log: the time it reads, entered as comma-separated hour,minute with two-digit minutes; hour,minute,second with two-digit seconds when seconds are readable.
2,30,59
